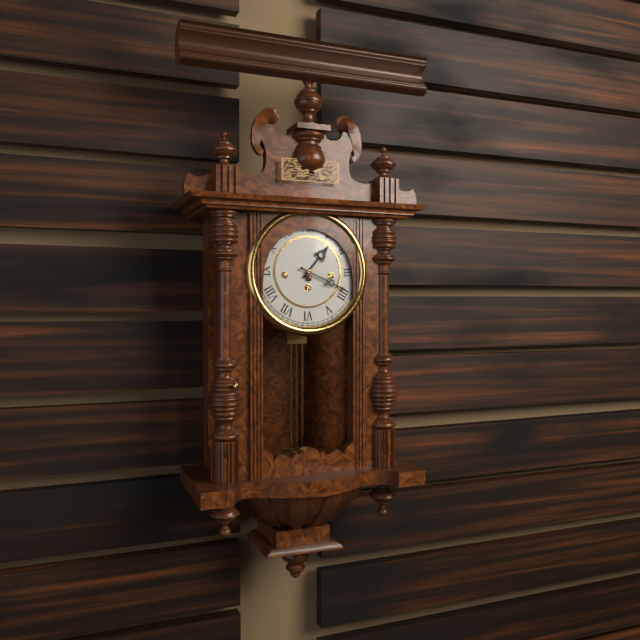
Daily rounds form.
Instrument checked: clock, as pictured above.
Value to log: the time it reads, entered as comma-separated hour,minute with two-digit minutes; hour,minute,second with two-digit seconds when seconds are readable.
1,19
